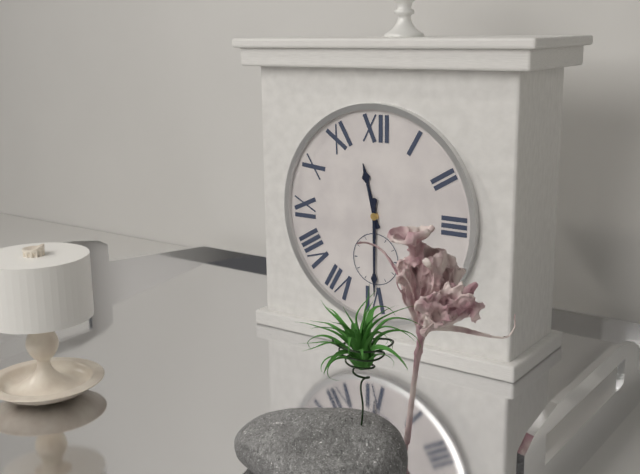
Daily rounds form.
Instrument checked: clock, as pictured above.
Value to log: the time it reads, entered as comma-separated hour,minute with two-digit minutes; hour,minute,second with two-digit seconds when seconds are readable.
11,30
